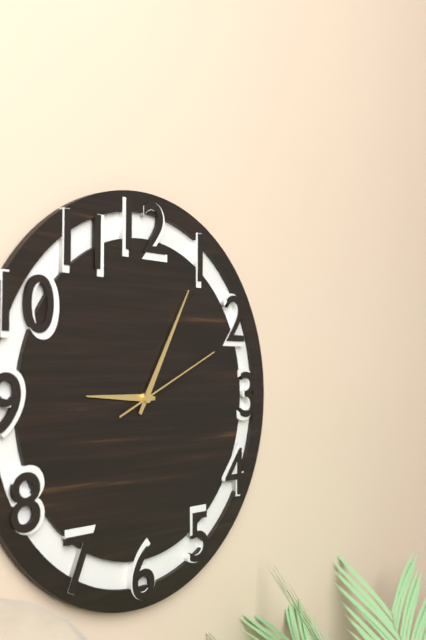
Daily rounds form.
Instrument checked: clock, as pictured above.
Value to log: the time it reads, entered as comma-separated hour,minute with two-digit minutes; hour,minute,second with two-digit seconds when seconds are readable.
9,05,11
